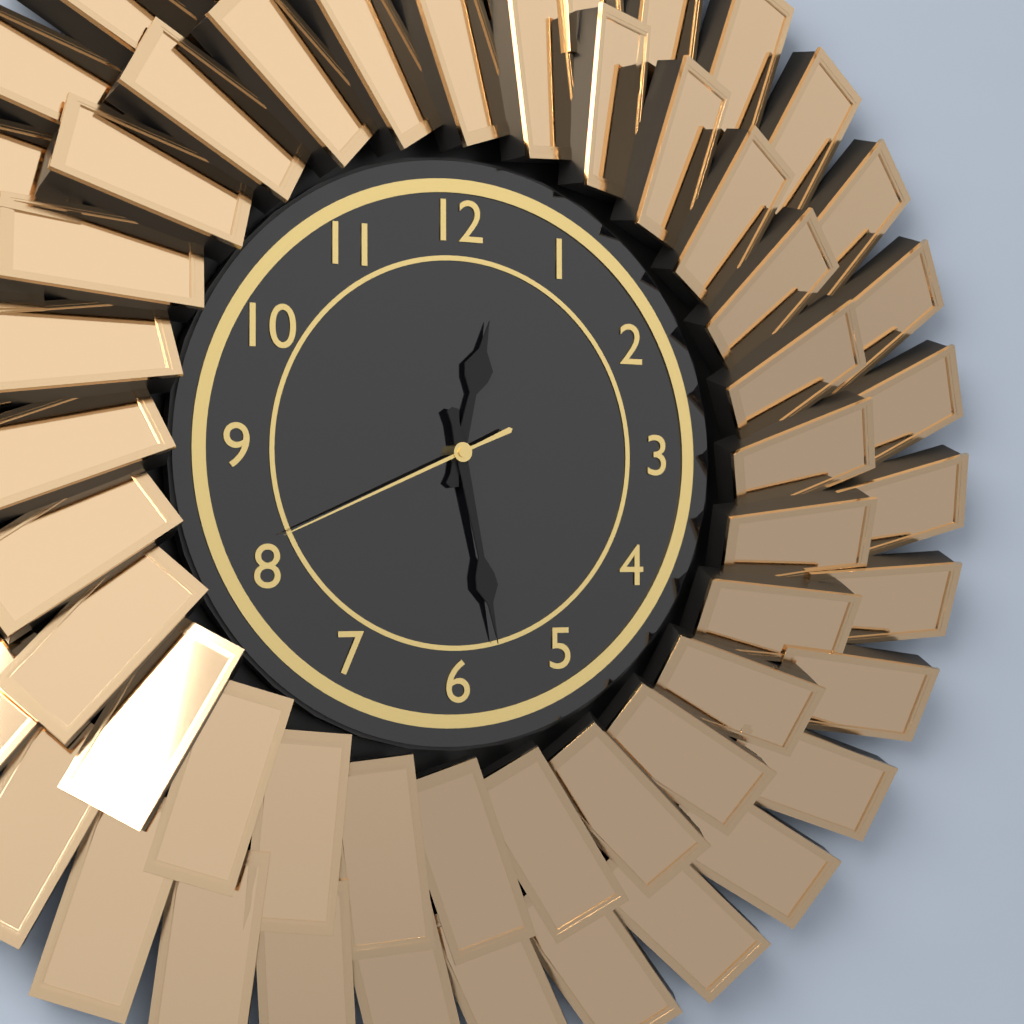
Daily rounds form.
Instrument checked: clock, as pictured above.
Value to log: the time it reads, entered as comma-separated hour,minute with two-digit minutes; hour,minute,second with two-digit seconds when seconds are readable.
12,28,41
